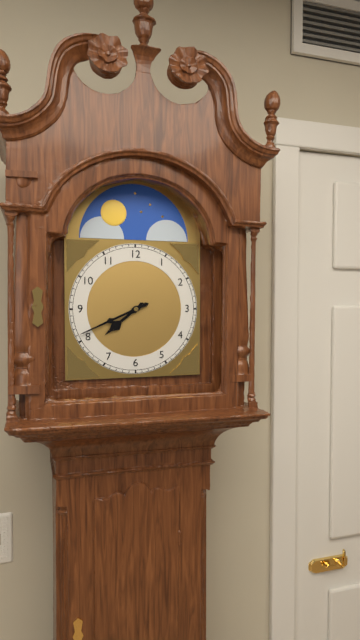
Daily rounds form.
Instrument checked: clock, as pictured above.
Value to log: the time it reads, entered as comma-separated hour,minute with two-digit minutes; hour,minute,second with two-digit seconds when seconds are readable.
7,41
